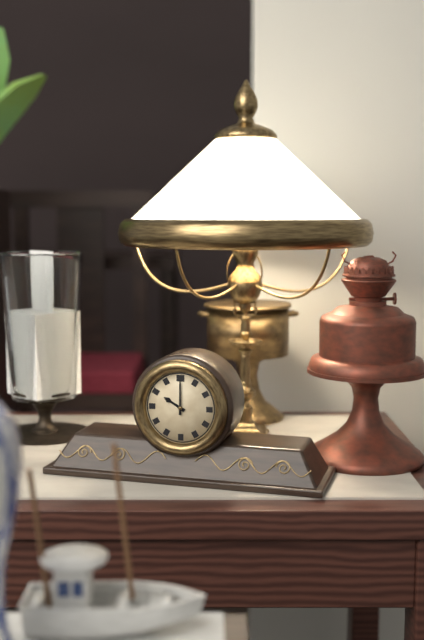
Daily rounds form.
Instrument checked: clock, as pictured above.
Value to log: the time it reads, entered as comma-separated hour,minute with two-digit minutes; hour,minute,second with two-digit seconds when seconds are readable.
10,00
